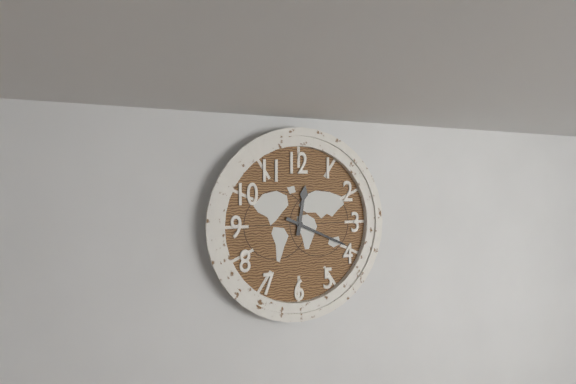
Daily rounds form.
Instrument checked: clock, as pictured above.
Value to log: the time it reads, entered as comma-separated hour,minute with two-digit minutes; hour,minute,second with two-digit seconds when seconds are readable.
12,19
